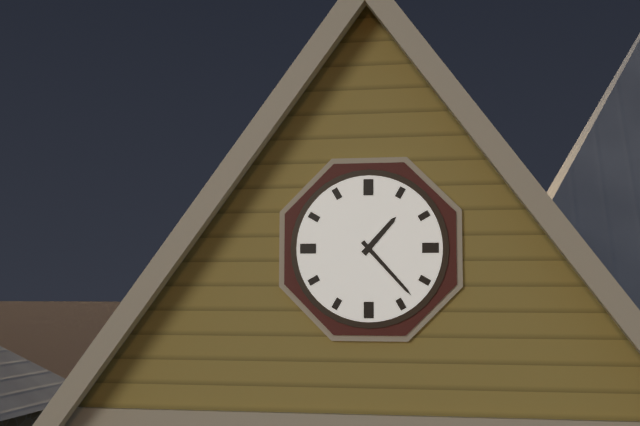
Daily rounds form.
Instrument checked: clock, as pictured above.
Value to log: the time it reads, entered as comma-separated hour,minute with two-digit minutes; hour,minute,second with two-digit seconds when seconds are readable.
1,23
